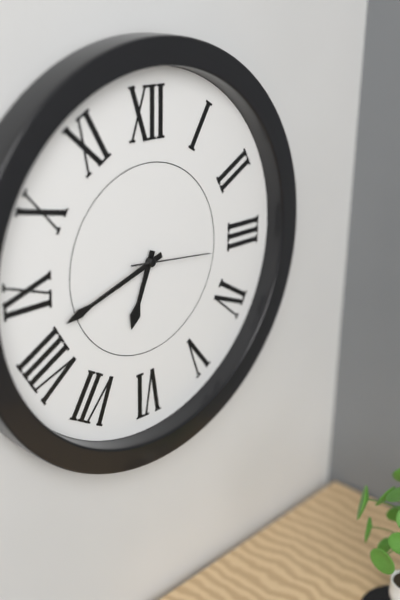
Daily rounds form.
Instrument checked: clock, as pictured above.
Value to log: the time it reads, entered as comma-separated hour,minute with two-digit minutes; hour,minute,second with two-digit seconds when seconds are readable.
6,42,16
